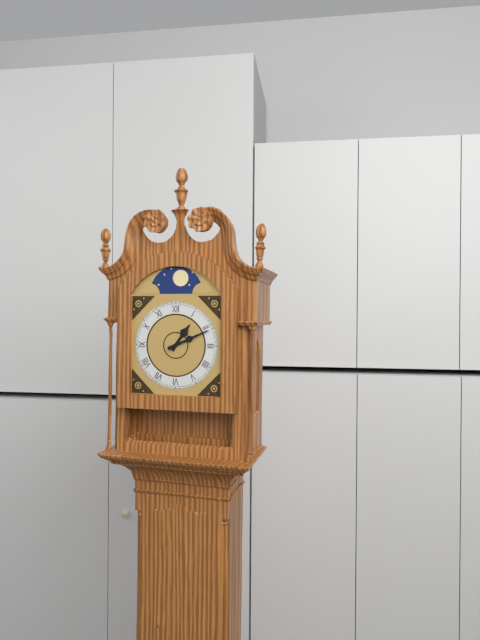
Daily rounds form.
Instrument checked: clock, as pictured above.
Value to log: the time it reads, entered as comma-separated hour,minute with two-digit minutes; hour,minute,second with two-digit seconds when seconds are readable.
1,11
